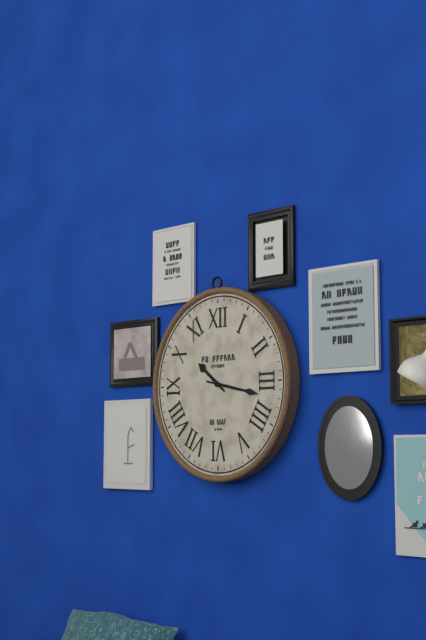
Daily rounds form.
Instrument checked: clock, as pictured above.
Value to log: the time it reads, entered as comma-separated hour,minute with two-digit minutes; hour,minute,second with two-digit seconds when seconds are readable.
10,17
